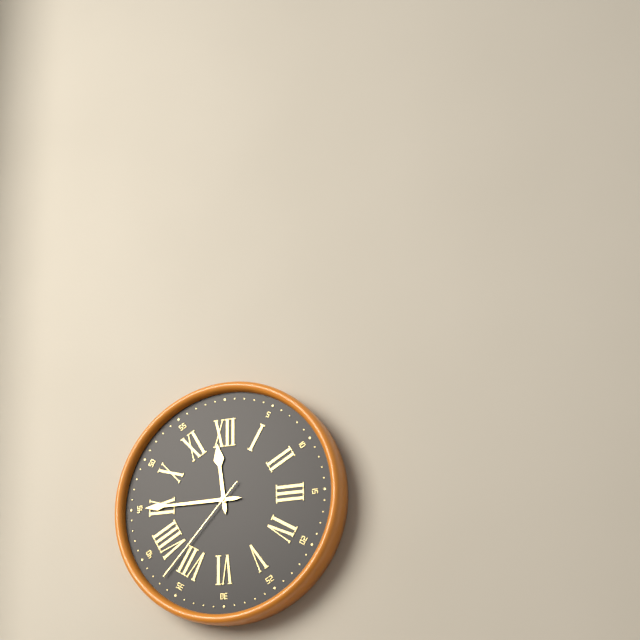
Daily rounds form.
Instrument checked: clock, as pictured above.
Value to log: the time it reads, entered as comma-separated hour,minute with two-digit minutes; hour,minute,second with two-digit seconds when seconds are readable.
11,45,37
